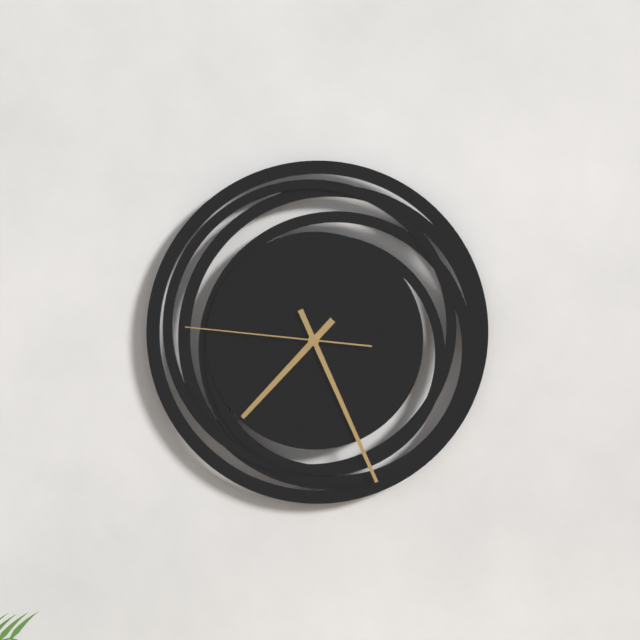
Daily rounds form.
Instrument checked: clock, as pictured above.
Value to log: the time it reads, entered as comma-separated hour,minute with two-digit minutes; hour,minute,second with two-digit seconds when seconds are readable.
7,26,46
